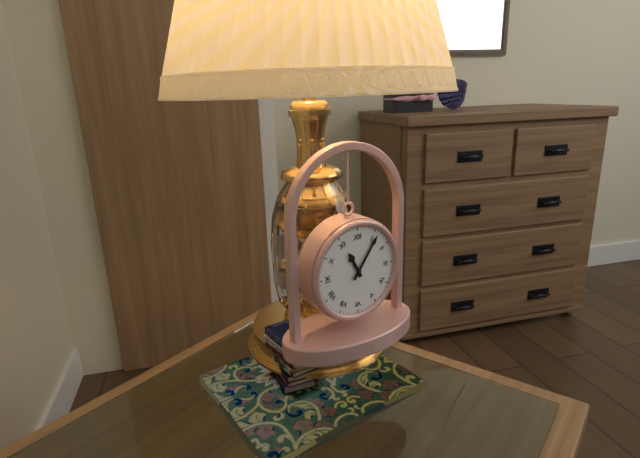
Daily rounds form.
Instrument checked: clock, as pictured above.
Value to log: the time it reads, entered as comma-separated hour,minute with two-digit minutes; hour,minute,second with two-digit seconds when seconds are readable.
11,06
